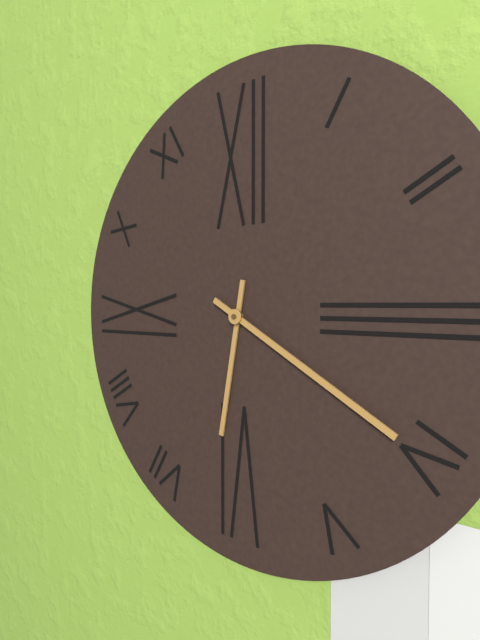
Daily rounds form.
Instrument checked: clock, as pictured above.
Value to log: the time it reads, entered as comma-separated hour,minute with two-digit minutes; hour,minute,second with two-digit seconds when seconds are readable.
6,20
